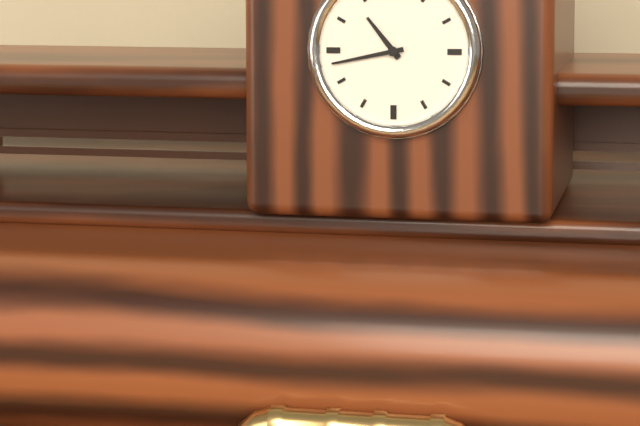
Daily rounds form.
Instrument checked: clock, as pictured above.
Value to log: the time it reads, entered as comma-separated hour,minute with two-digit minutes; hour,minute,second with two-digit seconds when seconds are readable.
10,43
